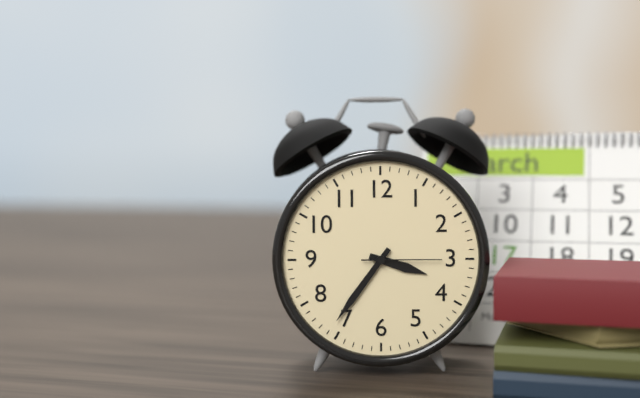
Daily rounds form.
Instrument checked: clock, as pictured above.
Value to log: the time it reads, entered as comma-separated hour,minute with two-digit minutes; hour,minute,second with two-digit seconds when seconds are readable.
3,36,15
